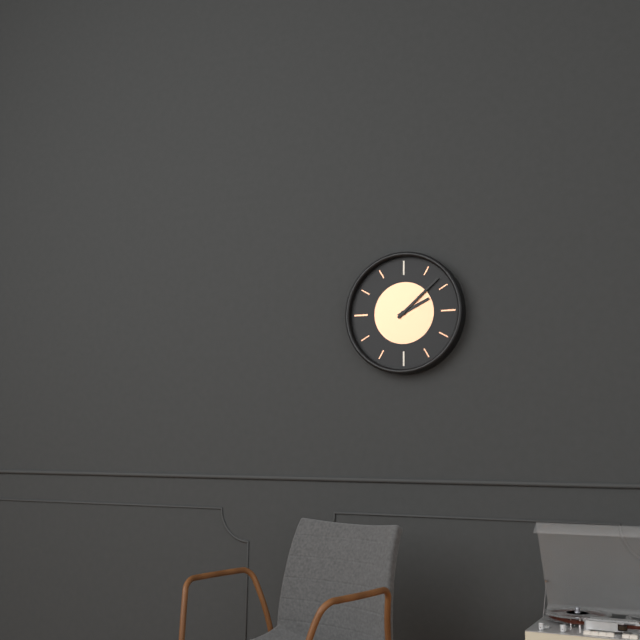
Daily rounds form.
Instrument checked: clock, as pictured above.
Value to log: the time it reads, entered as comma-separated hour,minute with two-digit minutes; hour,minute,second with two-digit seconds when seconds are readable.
2,08
